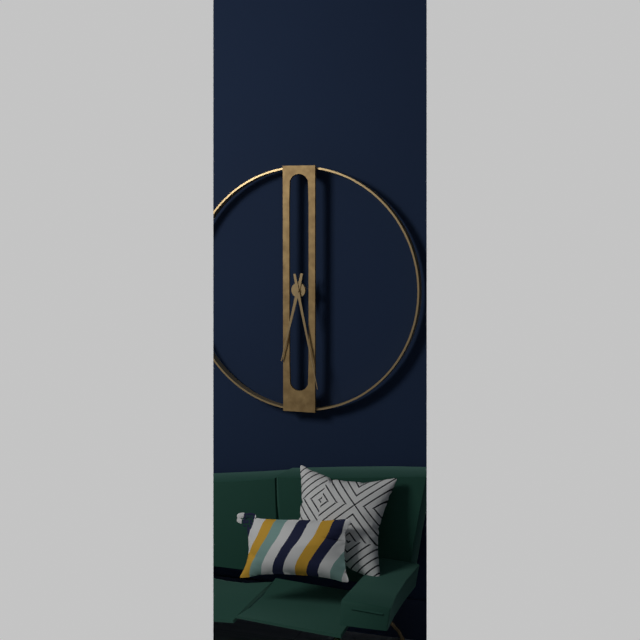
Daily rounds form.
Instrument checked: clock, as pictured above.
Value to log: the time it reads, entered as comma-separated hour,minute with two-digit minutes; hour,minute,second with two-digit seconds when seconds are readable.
6,28
